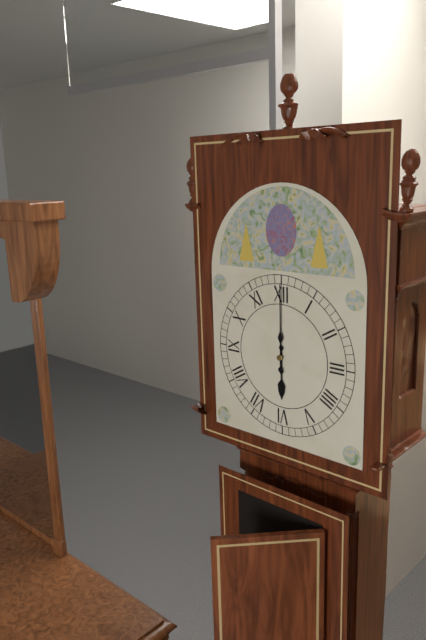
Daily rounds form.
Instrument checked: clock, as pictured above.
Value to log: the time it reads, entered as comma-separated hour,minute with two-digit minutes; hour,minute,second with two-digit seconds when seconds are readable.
6,00
